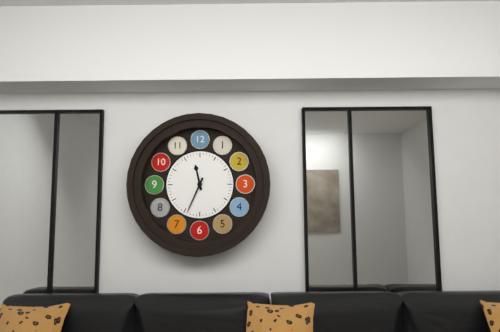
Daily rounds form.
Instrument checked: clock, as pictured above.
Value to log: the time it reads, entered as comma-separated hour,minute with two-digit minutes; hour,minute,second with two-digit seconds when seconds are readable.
11,34
